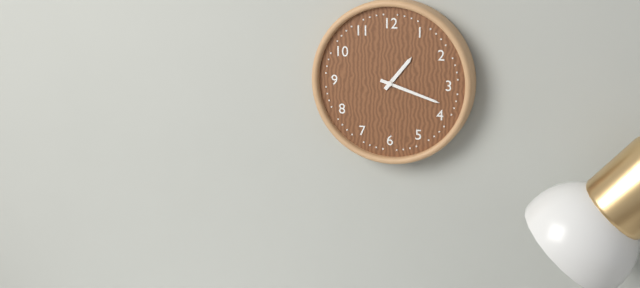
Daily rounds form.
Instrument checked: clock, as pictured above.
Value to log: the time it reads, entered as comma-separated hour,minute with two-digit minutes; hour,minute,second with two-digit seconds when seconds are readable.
1,18
